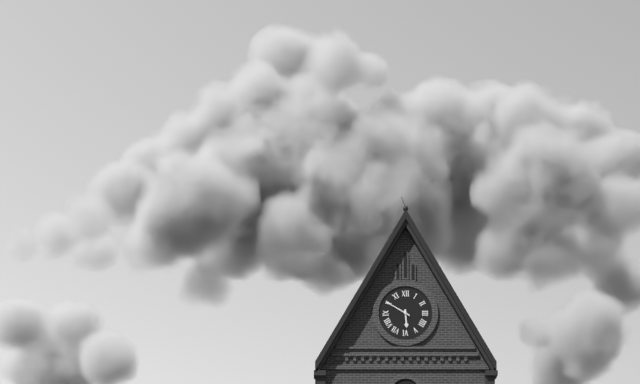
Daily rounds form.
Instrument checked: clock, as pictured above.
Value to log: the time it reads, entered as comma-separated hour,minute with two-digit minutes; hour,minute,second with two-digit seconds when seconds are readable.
5,50
